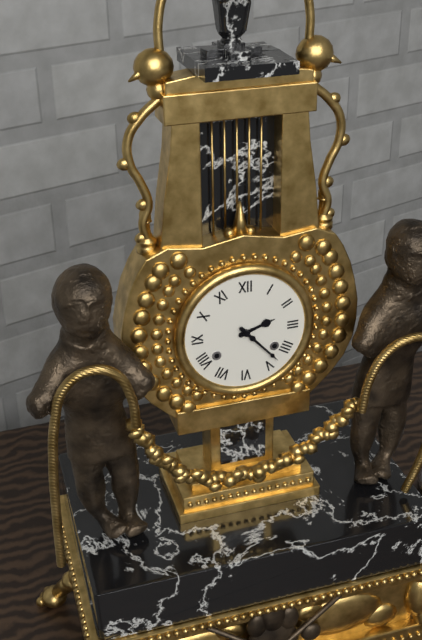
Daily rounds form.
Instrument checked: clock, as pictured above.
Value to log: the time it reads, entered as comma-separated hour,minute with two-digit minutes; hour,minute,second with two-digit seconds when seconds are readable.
2,23
